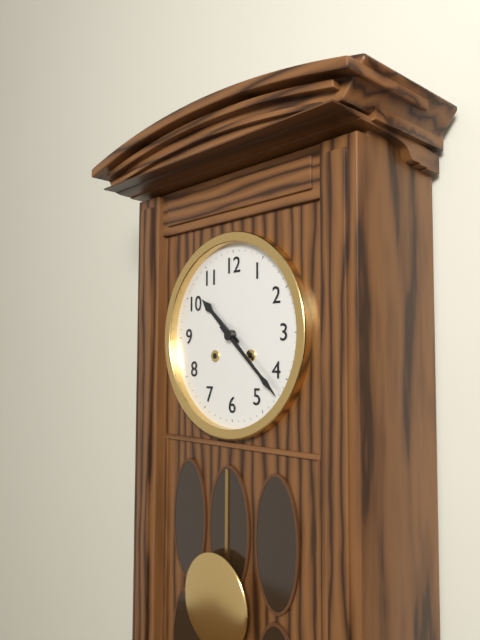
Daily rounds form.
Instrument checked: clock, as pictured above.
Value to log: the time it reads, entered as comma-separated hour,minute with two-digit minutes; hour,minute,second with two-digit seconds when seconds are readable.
10,22
